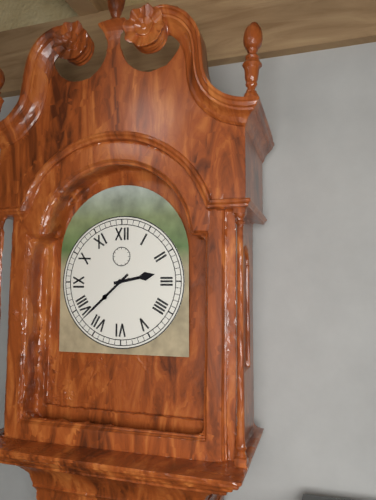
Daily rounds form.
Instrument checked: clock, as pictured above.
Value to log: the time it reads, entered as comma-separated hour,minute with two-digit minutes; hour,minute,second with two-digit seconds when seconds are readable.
2,38
